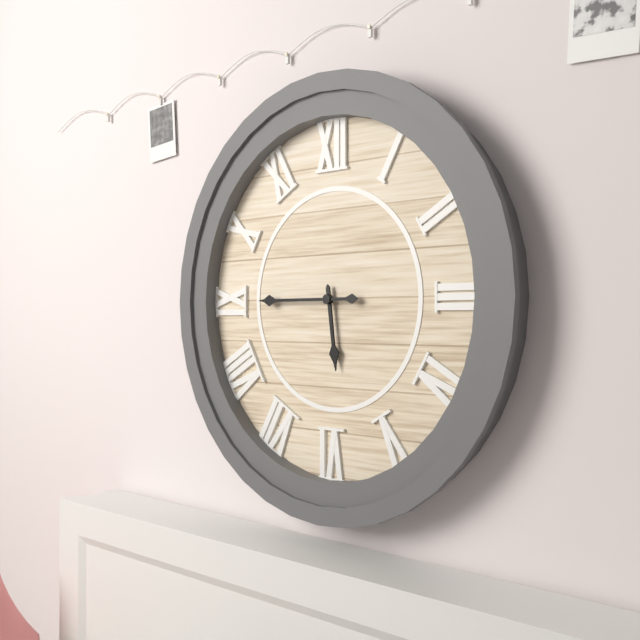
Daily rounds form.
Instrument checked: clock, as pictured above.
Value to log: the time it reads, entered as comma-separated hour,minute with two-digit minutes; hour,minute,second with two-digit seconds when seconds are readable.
5,45
